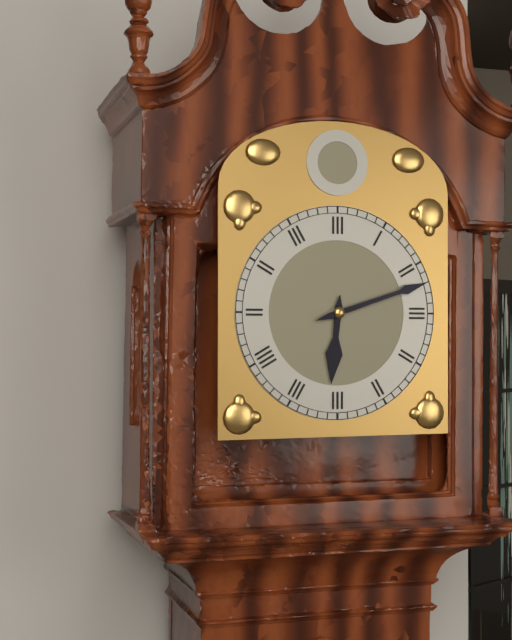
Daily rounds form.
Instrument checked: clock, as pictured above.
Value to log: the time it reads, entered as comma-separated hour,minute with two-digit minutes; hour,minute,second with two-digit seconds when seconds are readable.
6,12
